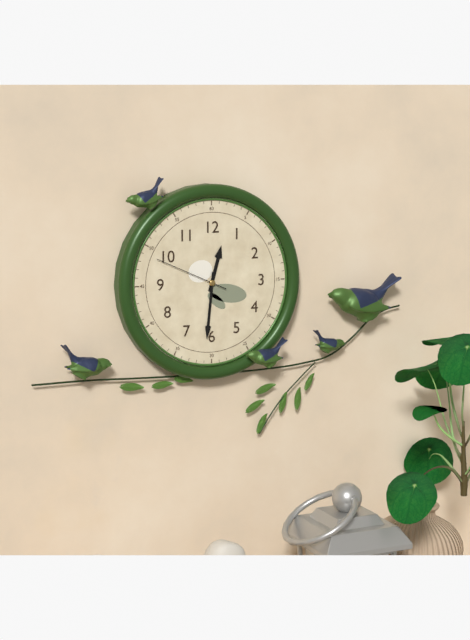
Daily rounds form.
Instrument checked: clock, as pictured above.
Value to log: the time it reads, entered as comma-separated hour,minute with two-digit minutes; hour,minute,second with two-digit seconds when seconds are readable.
12,31,49
